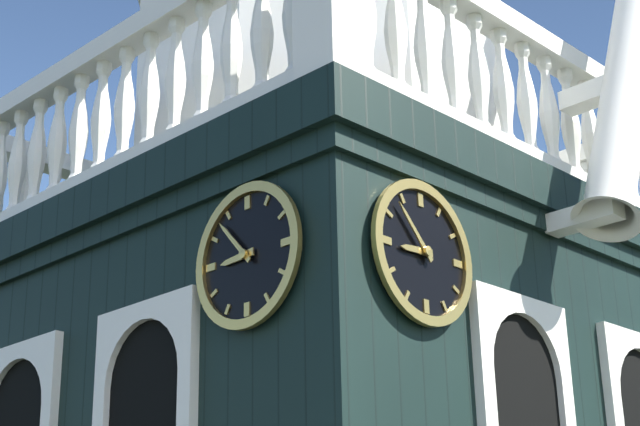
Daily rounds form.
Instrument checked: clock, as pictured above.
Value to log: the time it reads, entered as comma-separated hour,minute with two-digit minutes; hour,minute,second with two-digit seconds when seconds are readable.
8,53
